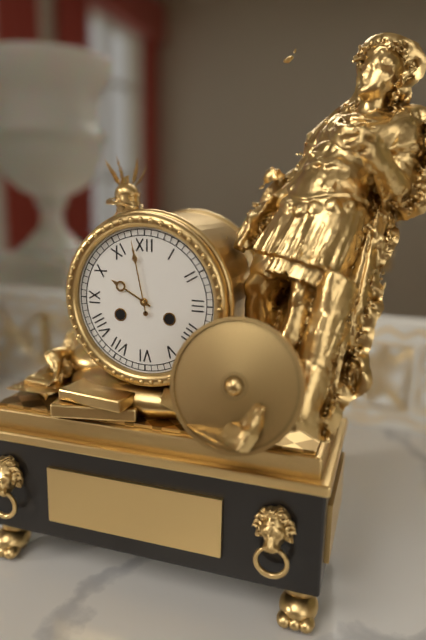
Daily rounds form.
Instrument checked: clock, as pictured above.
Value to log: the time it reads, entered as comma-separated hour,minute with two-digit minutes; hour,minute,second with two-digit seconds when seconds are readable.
9,58
